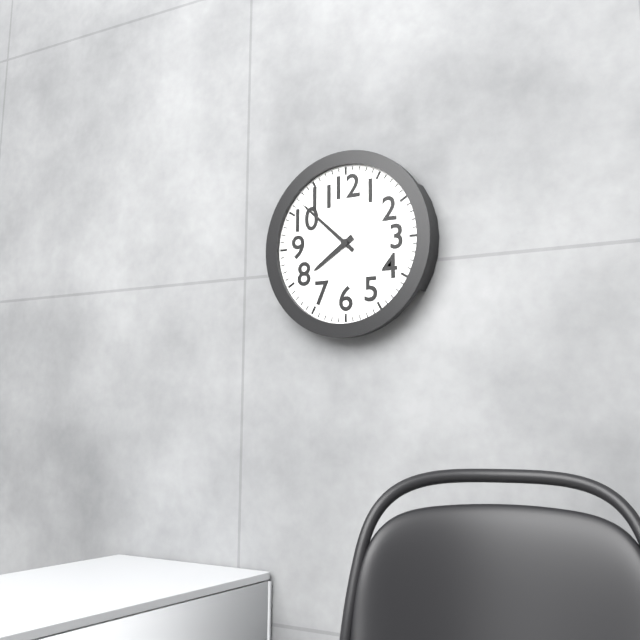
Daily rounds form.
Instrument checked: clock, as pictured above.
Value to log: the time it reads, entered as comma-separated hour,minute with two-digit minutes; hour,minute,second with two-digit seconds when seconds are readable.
7,52
